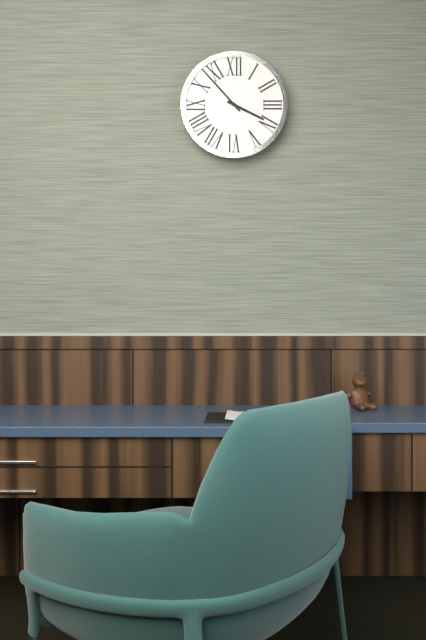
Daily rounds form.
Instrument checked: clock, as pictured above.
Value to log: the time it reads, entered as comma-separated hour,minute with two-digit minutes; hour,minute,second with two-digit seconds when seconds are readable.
3,53
